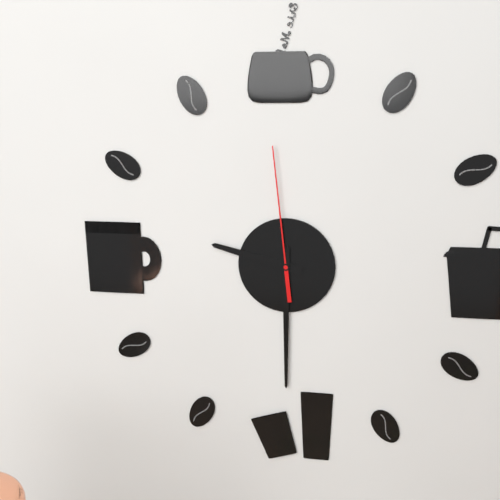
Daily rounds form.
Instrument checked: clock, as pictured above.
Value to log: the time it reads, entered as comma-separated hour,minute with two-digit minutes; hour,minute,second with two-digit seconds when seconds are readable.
9,30,59
